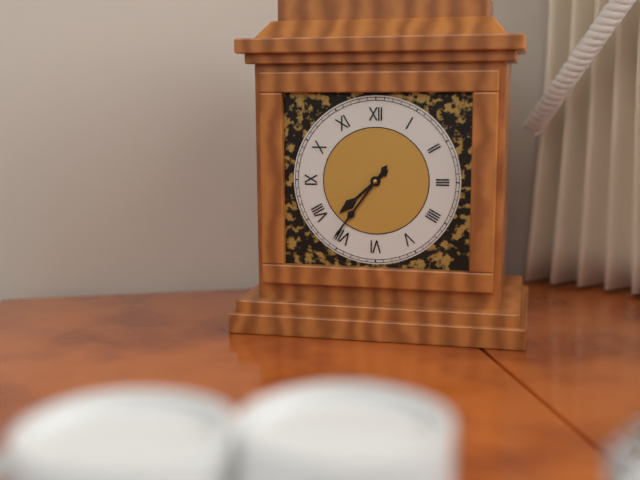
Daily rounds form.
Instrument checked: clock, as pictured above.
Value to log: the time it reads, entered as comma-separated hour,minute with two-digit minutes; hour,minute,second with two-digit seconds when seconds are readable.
7,36
